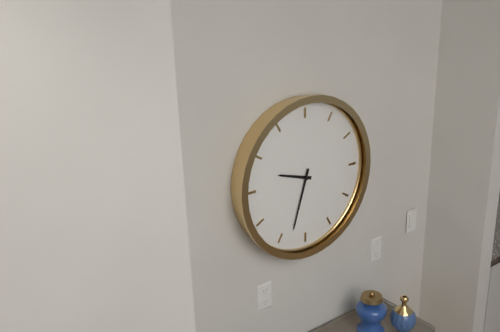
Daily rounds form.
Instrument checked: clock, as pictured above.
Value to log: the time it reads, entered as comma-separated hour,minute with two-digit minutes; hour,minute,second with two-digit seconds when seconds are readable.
9,33
